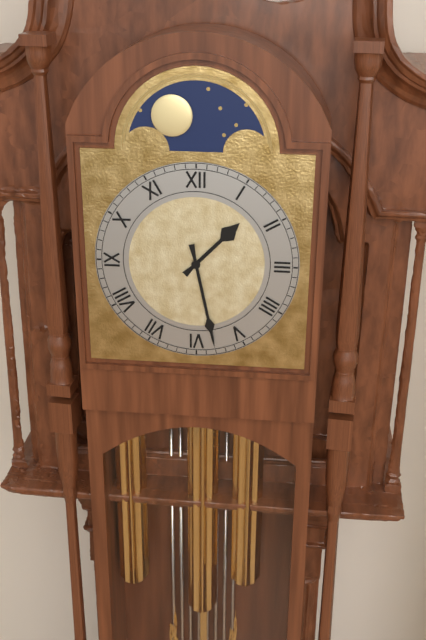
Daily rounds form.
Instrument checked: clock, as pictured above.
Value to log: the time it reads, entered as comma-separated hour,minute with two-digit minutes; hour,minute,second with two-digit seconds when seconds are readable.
1,28
